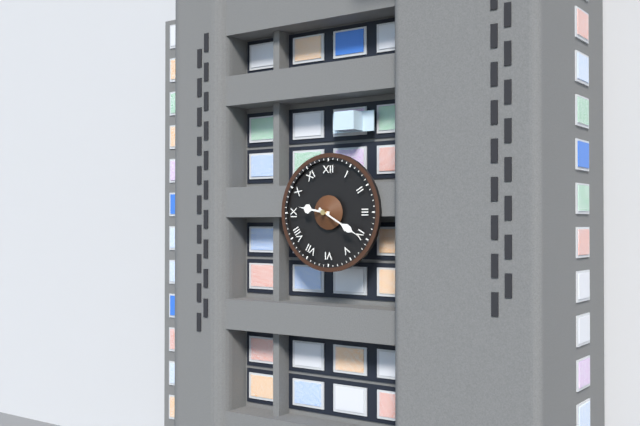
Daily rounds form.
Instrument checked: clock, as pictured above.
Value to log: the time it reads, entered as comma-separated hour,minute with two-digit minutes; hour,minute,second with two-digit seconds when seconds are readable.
9,20
